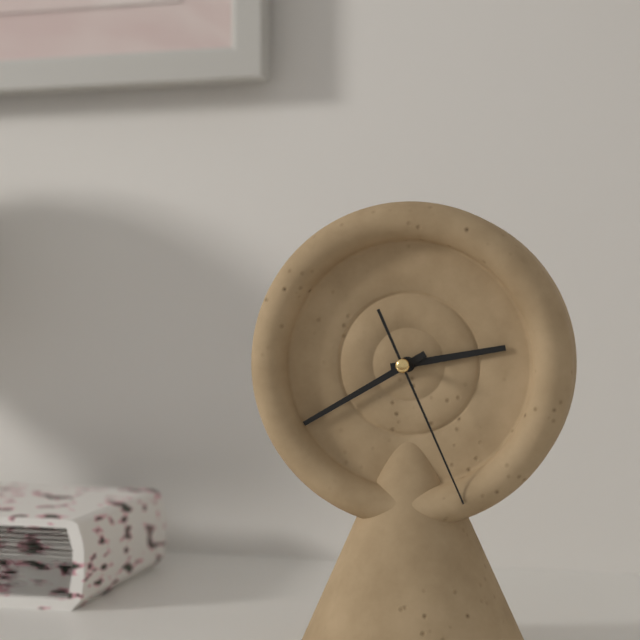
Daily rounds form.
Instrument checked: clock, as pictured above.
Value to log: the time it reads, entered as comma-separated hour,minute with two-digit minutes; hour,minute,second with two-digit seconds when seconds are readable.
2,40,26
